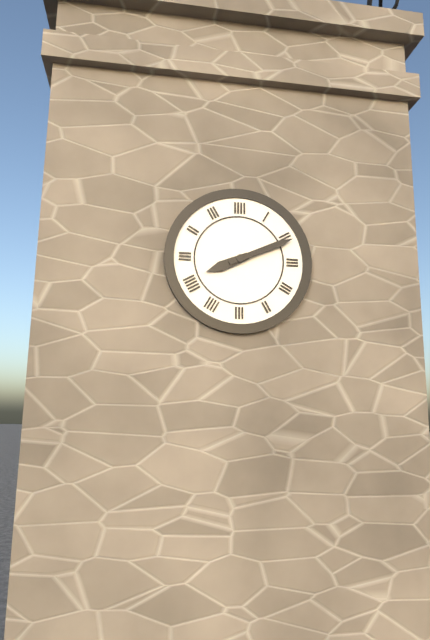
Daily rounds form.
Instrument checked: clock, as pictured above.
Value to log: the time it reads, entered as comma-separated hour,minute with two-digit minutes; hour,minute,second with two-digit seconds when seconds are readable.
8,11
